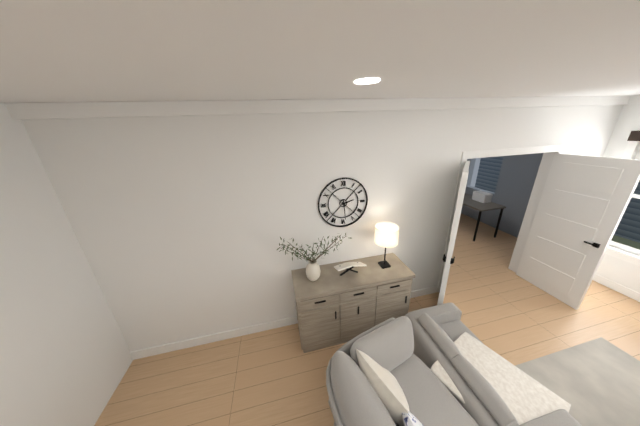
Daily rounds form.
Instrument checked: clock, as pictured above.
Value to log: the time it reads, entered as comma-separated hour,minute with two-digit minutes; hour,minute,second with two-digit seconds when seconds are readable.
2,29
